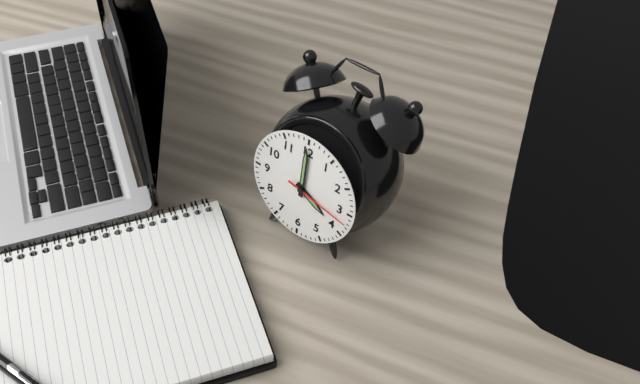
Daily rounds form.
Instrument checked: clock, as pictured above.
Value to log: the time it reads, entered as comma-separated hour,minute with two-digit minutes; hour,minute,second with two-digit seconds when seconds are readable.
4,00,17
